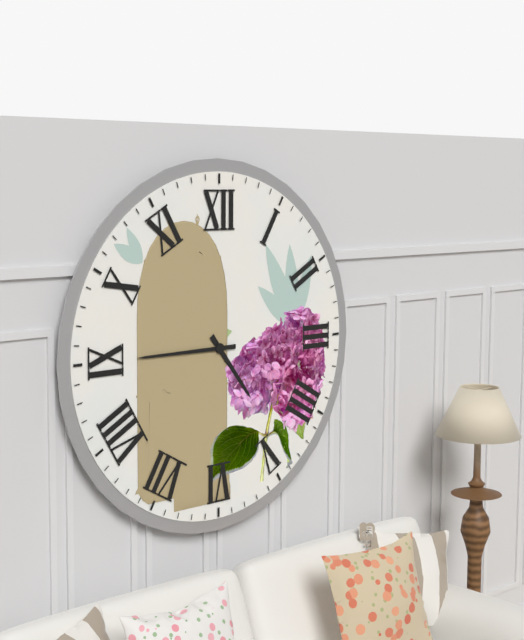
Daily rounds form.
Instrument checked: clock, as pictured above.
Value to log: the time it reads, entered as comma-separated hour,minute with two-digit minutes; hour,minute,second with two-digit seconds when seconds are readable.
4,45
